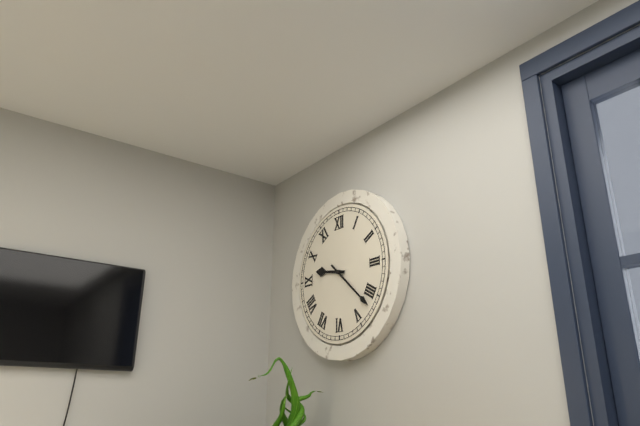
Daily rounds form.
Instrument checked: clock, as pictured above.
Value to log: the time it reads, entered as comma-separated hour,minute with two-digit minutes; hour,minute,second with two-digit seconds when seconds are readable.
9,22
